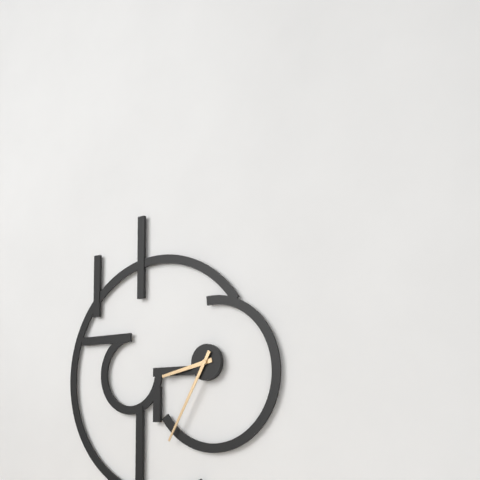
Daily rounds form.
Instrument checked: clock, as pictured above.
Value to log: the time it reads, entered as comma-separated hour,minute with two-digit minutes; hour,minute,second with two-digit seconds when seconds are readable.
8,35
